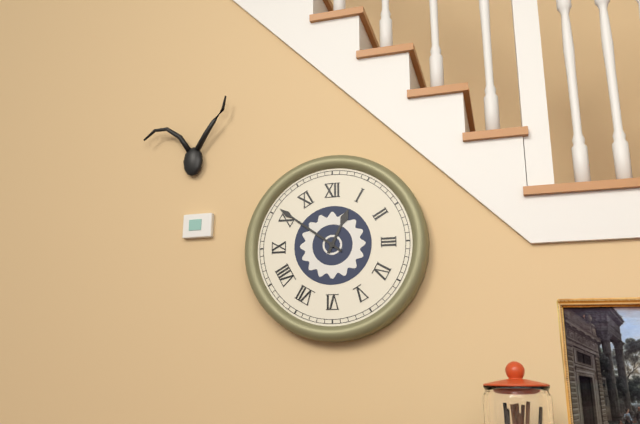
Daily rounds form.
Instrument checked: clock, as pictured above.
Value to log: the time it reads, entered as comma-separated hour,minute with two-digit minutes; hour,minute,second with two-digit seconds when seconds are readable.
12,51
